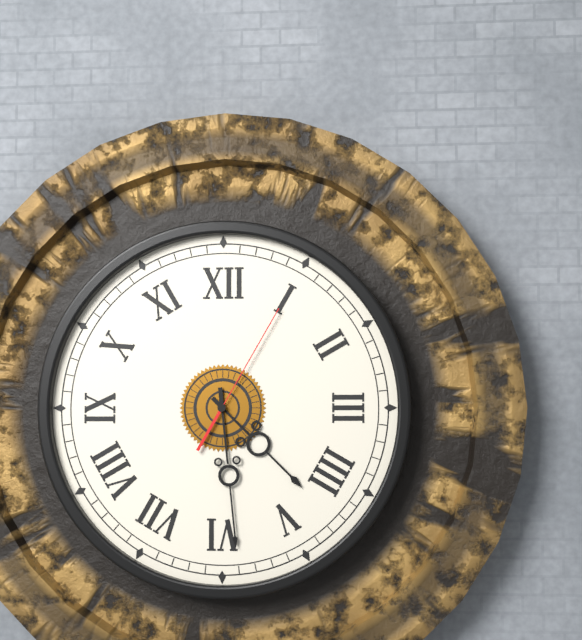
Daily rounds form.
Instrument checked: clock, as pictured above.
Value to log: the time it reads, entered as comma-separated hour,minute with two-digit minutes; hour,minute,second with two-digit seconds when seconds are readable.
4,29,05
